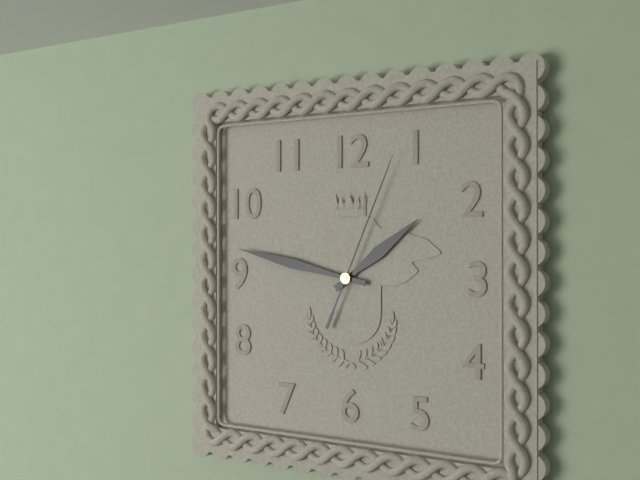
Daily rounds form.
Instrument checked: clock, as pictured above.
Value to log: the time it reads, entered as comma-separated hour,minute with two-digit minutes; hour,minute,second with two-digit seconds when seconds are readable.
1,47,04
